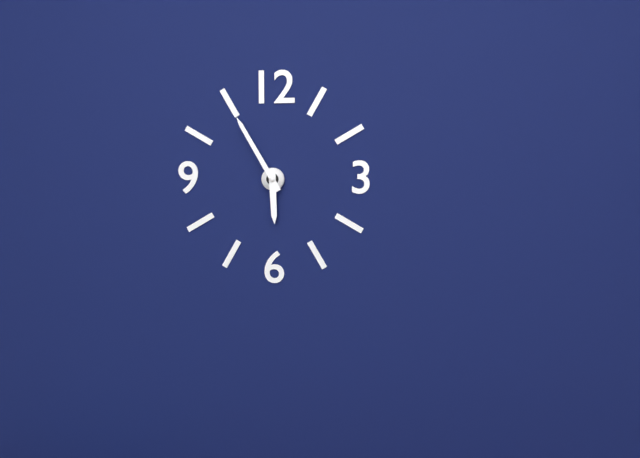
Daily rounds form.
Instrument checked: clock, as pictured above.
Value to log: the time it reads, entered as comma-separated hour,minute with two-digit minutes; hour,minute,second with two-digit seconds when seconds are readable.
5,55
